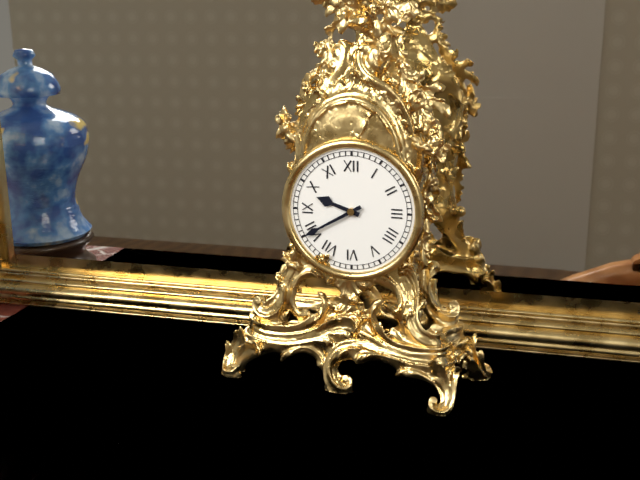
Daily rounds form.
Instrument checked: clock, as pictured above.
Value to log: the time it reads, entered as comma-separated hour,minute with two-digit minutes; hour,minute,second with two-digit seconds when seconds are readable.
9,40
